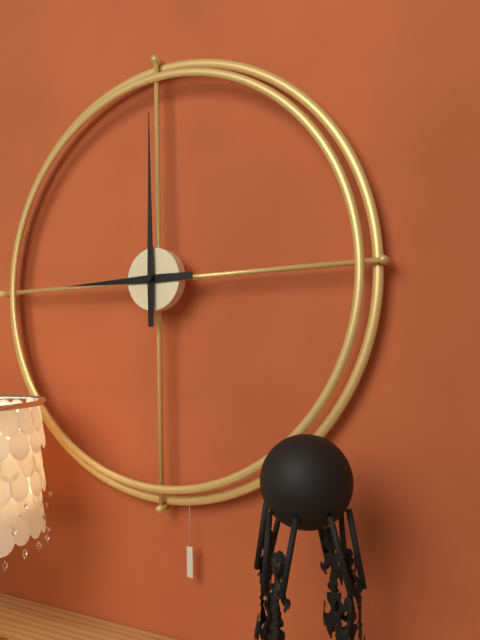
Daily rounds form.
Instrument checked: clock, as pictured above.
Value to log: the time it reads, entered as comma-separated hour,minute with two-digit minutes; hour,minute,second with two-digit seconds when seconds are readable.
9,00
